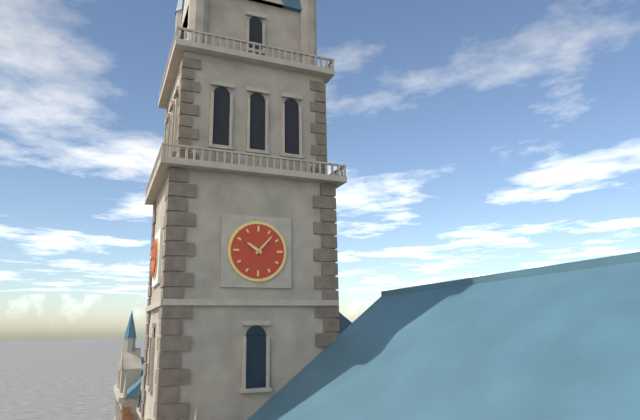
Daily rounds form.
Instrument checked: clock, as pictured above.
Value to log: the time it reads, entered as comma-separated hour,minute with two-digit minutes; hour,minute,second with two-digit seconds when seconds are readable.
10,07
